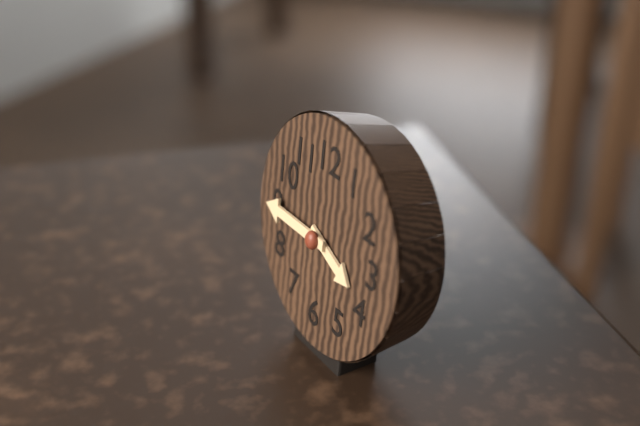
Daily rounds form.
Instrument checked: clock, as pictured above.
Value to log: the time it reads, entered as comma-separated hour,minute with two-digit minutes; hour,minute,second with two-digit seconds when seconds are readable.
3,45
